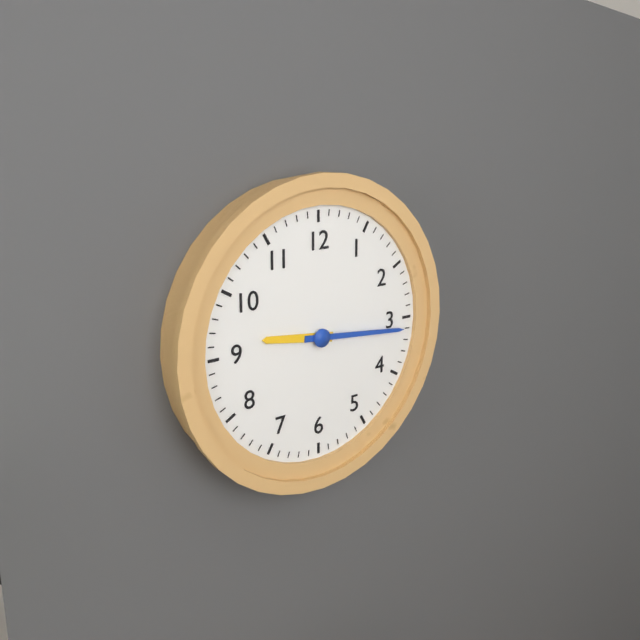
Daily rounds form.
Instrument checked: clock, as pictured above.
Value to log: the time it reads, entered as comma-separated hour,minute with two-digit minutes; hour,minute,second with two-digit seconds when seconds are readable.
9,16
